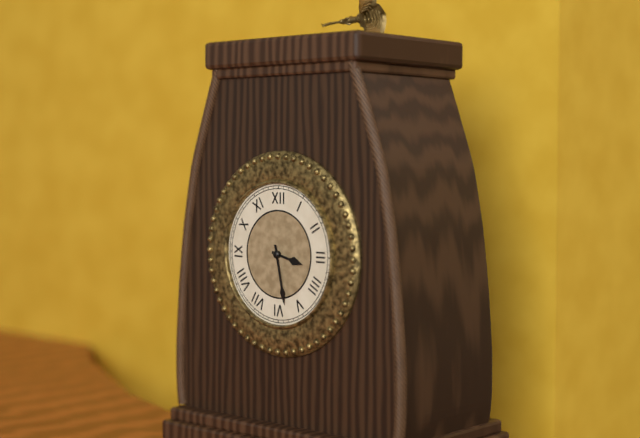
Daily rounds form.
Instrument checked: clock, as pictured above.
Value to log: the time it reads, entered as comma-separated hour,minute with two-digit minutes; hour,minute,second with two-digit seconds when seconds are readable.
3,28
